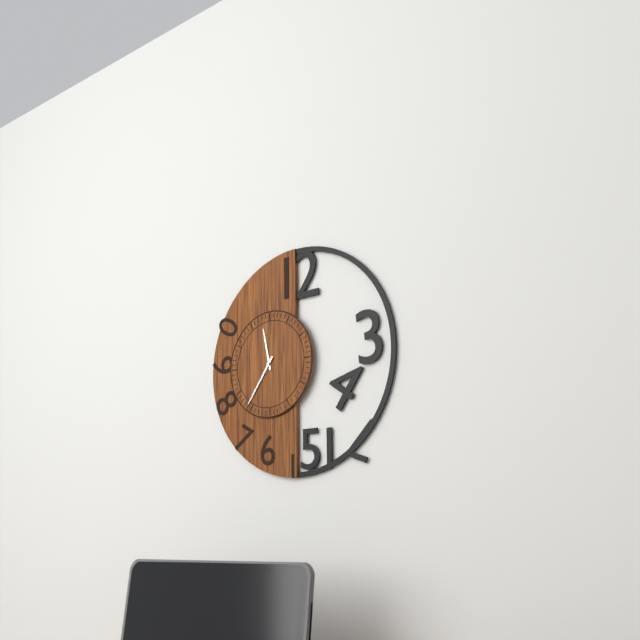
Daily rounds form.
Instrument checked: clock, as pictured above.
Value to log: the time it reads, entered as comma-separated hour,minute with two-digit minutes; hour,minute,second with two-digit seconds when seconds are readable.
11,36
